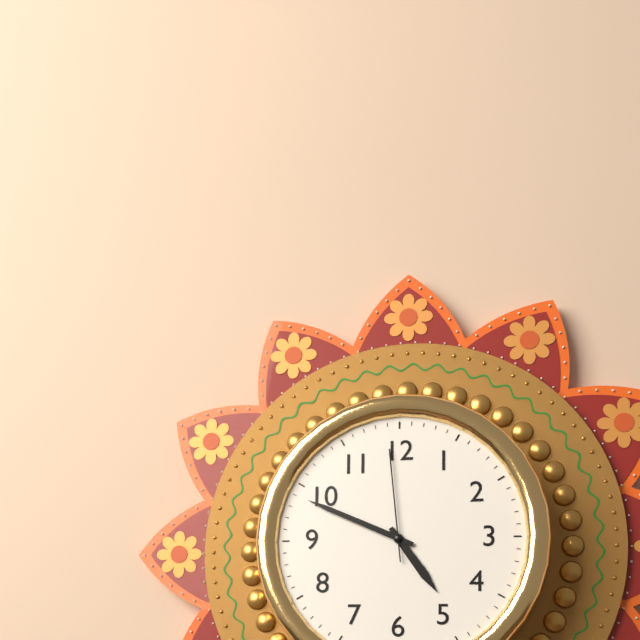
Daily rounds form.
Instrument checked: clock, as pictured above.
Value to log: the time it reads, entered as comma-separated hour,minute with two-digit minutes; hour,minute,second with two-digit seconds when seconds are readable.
4,49,59
